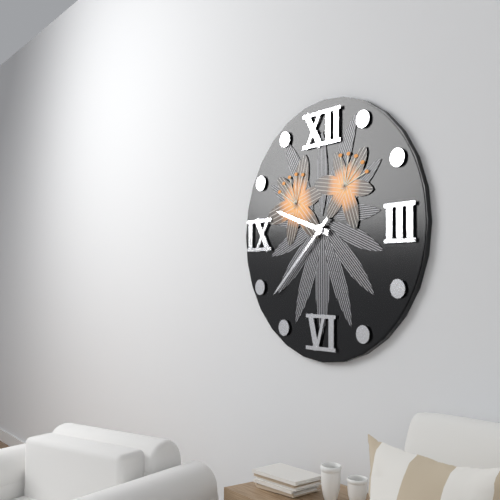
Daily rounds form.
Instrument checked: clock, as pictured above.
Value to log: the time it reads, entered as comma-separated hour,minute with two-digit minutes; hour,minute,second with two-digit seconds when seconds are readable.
9,38
